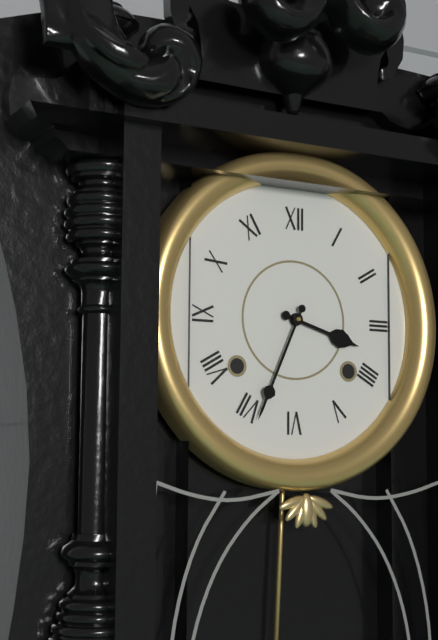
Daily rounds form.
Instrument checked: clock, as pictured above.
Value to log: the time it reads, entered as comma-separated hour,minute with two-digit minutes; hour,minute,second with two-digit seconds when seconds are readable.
3,34
